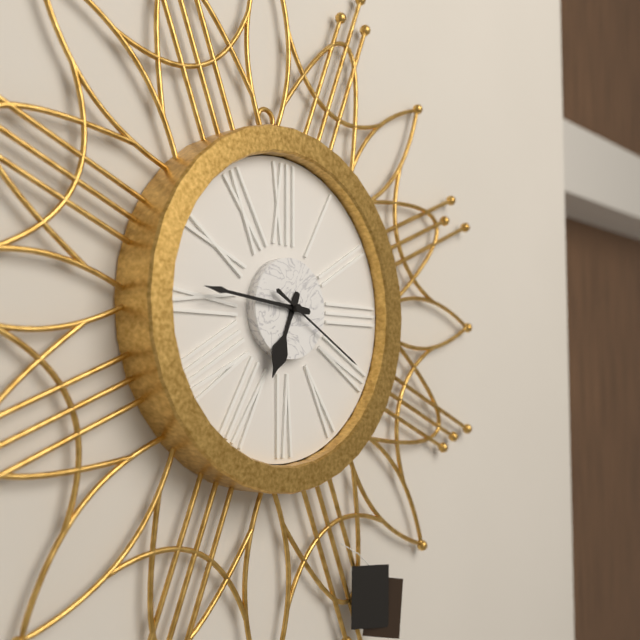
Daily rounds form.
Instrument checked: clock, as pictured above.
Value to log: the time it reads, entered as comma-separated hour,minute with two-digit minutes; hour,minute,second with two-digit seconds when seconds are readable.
6,46,20
